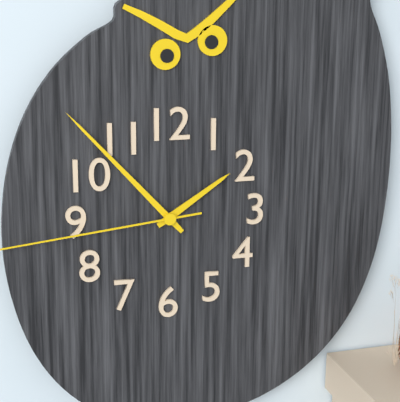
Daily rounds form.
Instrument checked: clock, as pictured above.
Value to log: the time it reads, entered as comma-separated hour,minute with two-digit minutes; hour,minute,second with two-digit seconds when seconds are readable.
1,53
